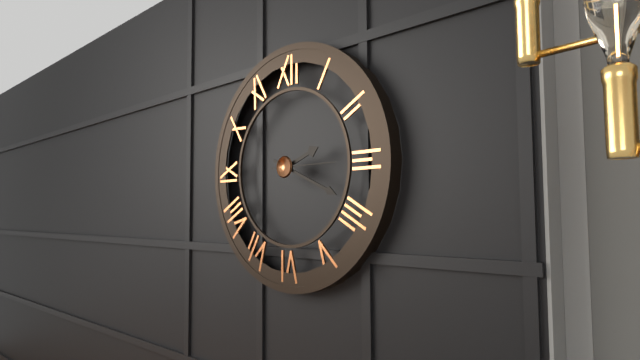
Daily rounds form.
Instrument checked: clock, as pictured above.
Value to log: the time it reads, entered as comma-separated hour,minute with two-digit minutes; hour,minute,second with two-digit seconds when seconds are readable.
2,19,15
